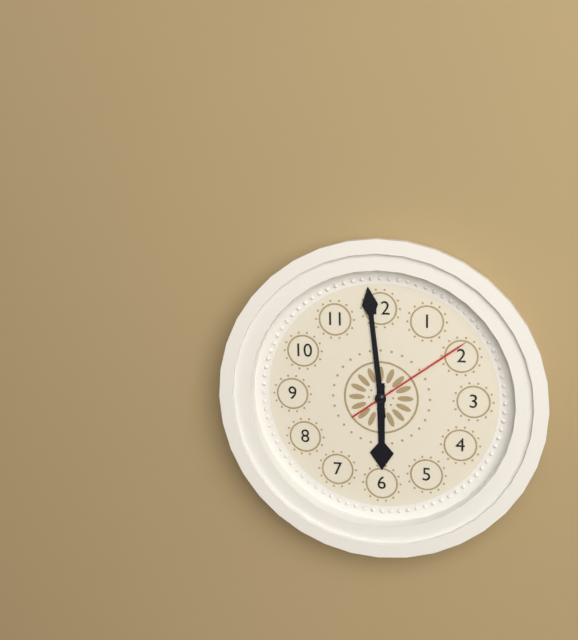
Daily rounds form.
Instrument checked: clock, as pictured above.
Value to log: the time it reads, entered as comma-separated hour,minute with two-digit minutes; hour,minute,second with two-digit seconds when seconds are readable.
5,59,09
